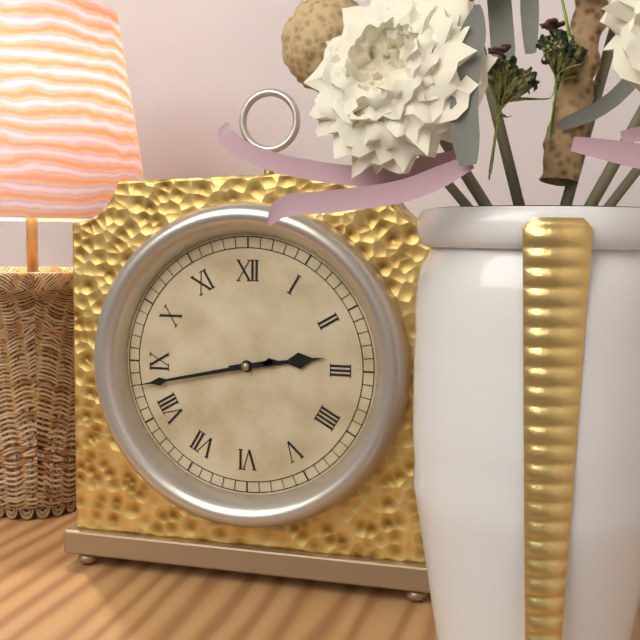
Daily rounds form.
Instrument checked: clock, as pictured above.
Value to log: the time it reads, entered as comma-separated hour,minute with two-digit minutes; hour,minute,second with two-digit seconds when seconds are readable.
2,43
